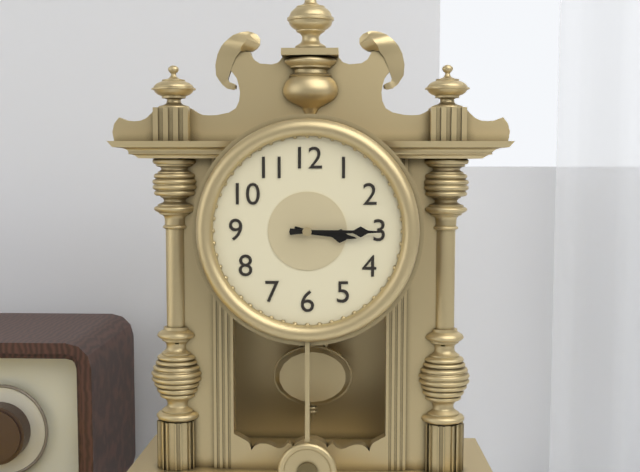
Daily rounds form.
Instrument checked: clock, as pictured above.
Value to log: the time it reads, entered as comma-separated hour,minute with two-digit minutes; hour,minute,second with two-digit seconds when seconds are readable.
3,15
